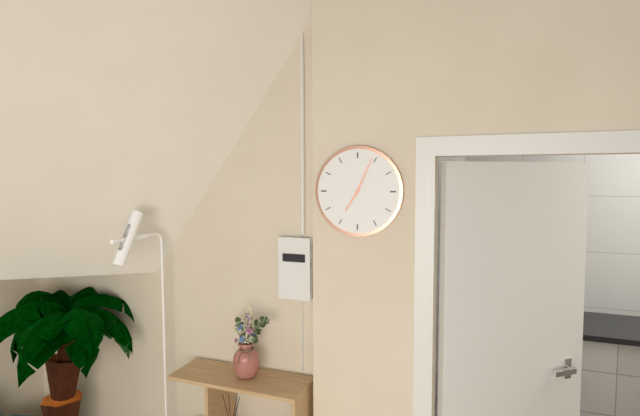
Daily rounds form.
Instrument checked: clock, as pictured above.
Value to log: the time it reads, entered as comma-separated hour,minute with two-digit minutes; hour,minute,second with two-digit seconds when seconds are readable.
7,04
